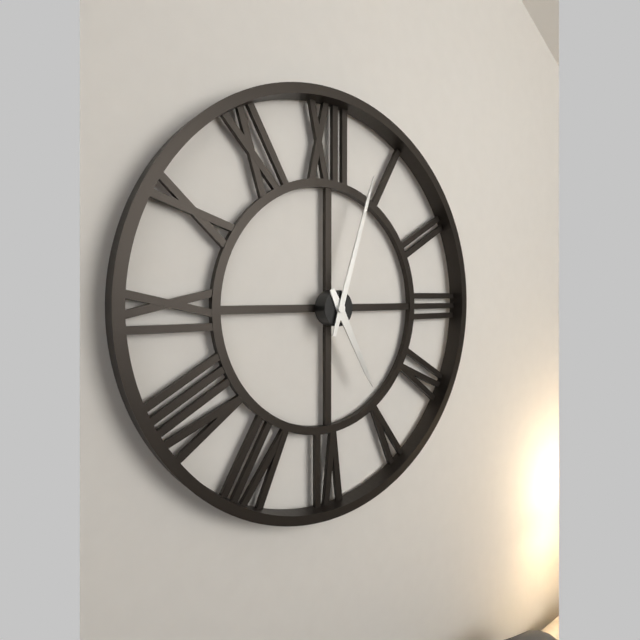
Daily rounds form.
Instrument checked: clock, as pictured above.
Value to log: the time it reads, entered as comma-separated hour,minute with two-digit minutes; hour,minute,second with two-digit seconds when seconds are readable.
5,03
